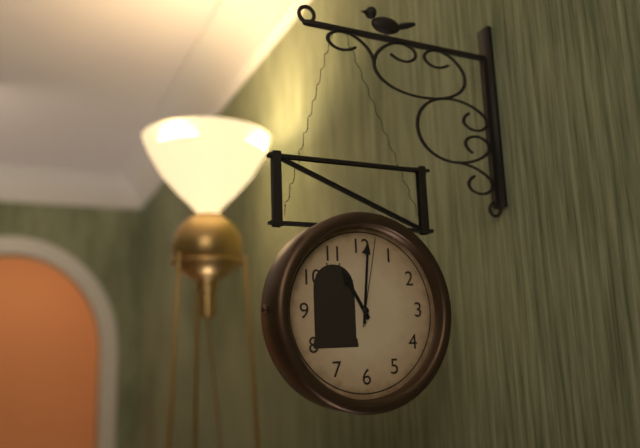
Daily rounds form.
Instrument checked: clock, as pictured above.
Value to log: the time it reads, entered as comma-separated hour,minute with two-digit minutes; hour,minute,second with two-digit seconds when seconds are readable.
11,01,02
